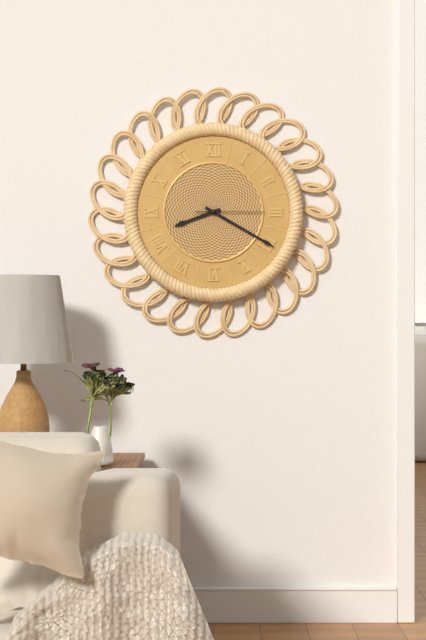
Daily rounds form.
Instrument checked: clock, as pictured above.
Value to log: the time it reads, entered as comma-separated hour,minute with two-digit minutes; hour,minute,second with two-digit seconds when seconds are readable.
8,20,15
